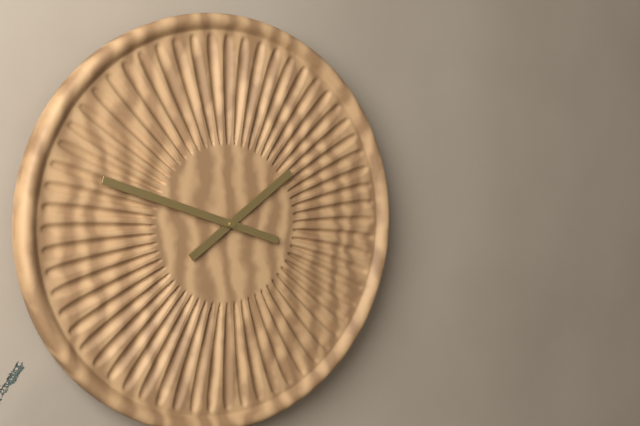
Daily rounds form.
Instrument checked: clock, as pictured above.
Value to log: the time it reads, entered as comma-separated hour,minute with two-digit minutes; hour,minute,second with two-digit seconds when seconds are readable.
1,48
